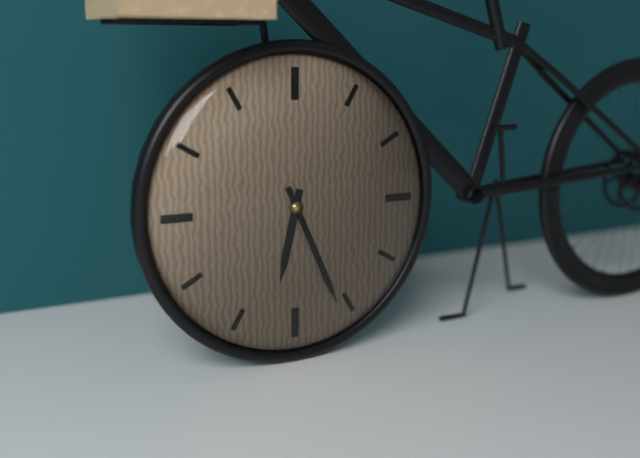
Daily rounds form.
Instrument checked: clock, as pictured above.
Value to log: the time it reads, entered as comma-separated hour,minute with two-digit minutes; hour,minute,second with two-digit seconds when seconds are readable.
6,26
